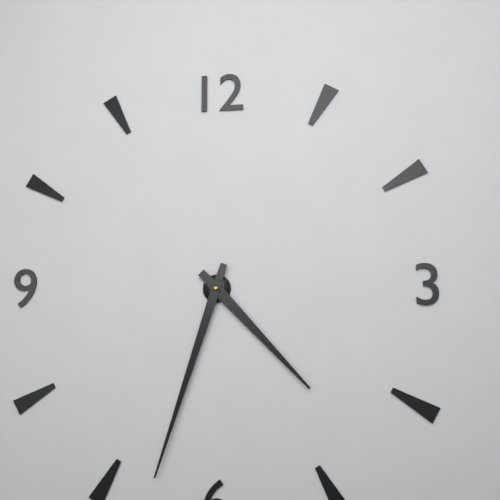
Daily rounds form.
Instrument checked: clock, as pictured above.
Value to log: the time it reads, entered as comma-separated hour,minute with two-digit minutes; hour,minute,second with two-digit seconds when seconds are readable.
4,33
